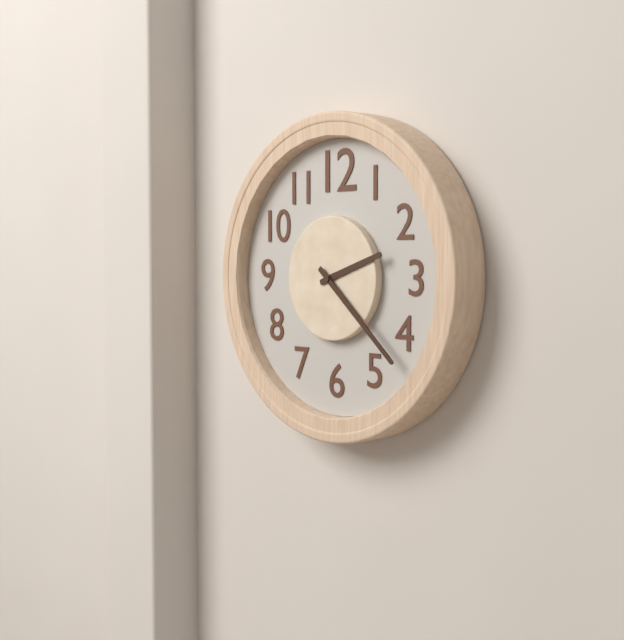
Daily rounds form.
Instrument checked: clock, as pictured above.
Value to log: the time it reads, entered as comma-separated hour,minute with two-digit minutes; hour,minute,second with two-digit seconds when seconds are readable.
2,22
